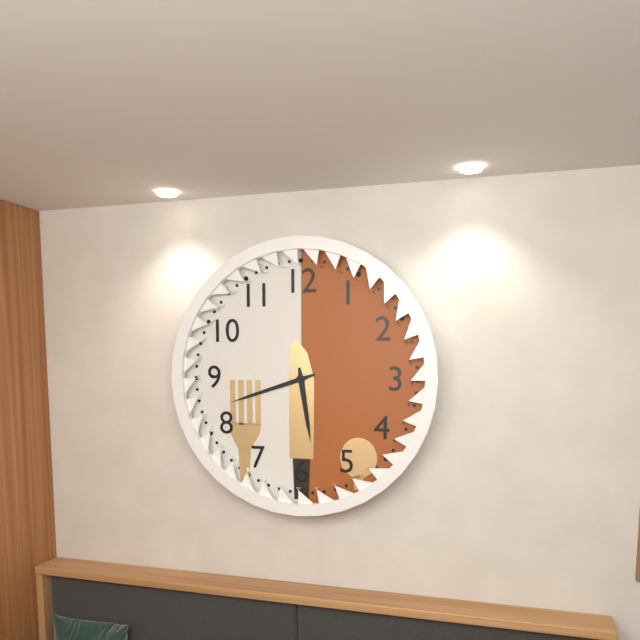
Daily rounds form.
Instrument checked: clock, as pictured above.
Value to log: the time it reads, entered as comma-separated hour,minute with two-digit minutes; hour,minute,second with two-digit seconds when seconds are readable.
5,42
